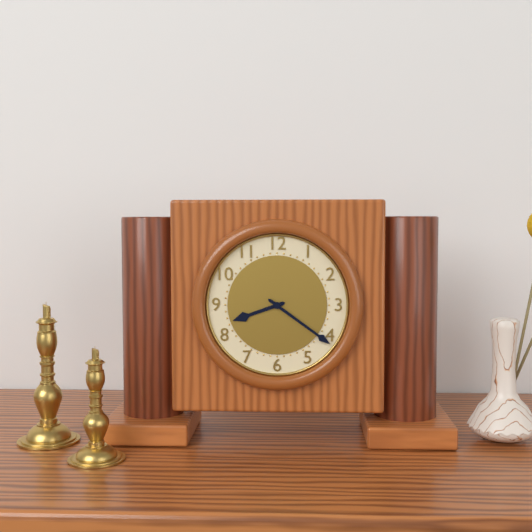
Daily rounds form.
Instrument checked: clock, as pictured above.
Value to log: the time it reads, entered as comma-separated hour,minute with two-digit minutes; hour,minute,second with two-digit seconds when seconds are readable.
8,21
